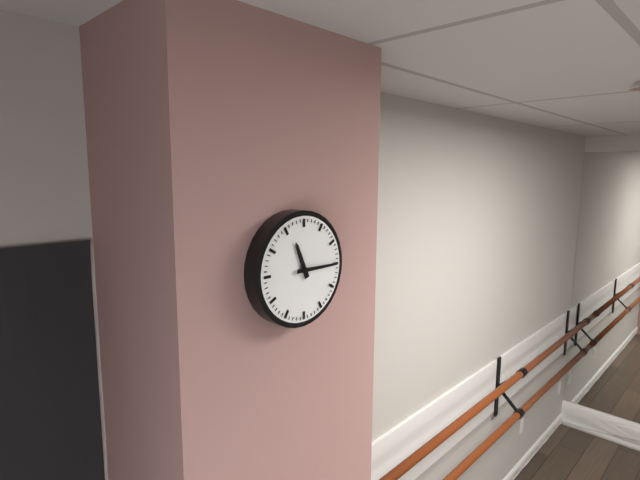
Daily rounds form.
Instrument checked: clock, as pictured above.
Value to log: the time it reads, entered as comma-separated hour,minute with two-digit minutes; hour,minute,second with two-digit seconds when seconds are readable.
11,15
